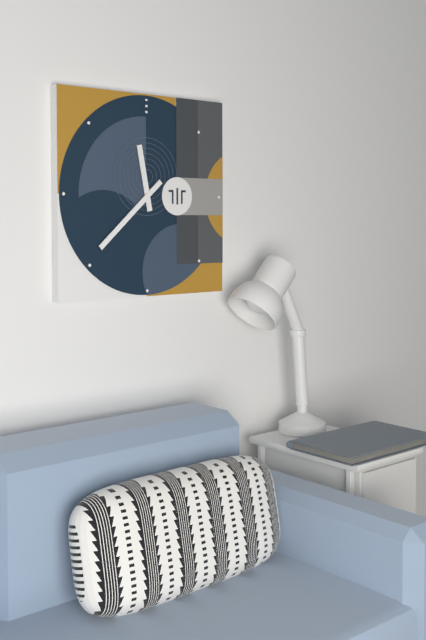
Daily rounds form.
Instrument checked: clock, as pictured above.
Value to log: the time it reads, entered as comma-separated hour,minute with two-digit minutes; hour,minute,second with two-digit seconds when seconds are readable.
11,38
